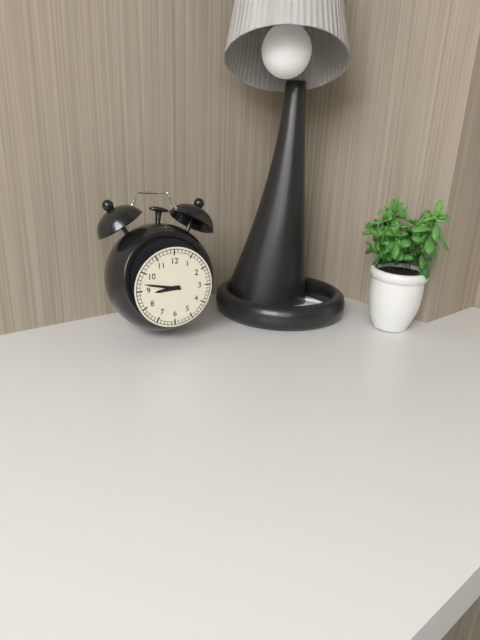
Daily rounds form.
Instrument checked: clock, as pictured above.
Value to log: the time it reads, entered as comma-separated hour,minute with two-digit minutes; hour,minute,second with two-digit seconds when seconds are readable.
8,47
